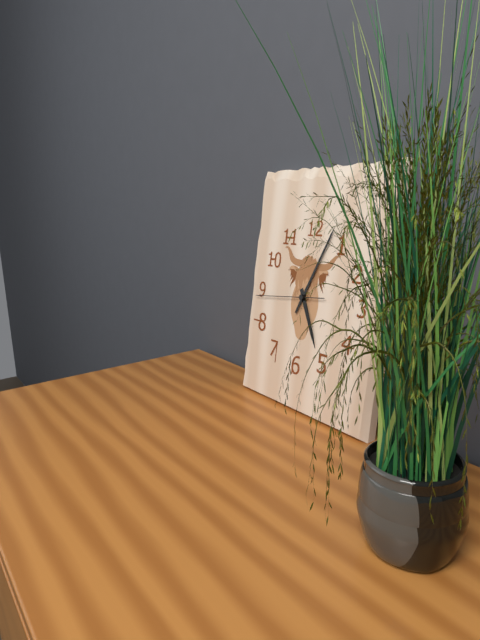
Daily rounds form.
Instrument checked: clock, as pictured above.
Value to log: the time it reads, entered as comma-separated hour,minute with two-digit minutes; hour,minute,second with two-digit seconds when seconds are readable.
5,04,44
